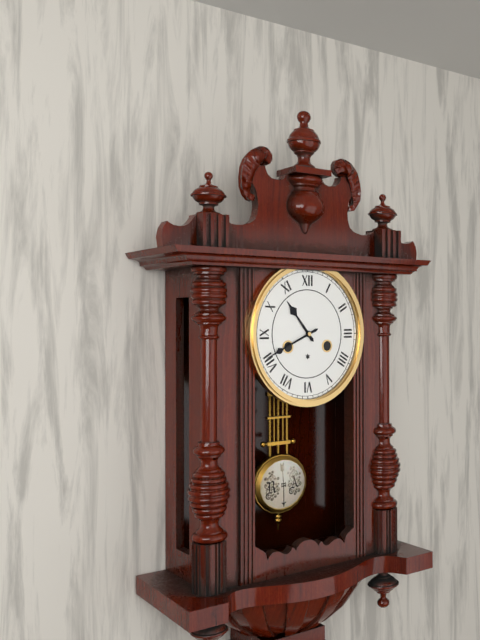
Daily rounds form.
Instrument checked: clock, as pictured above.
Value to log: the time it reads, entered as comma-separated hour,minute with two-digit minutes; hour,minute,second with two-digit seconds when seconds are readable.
10,41
